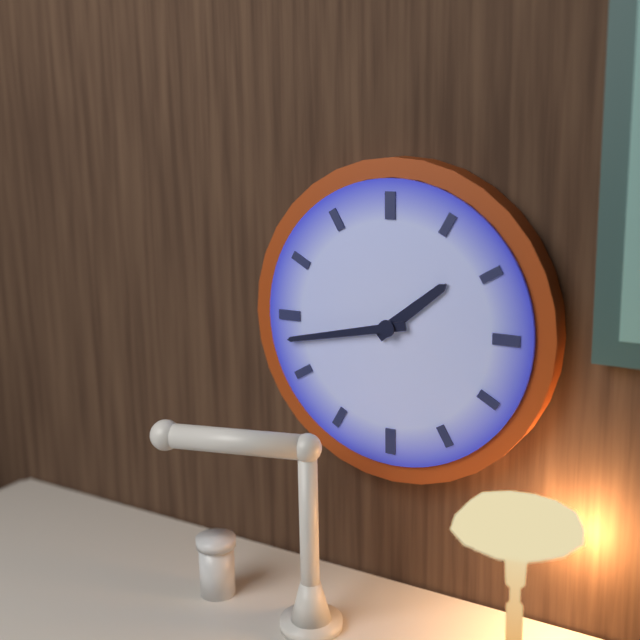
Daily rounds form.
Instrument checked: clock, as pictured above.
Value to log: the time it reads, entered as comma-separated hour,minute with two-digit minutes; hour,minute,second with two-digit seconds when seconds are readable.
1,43
